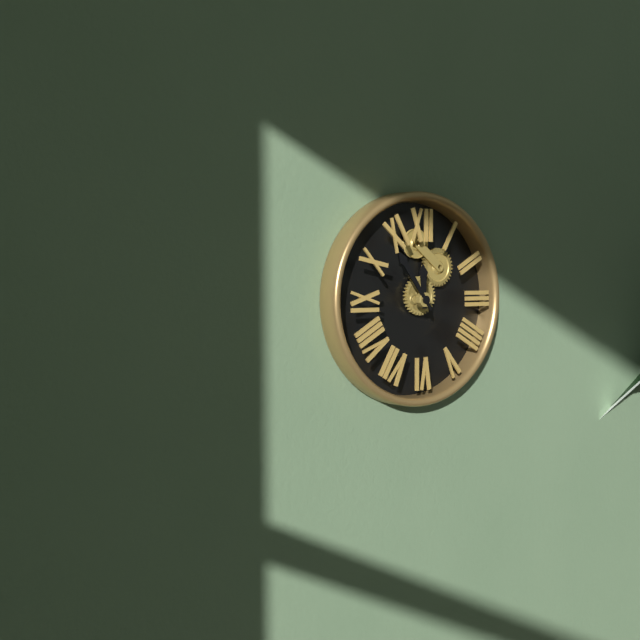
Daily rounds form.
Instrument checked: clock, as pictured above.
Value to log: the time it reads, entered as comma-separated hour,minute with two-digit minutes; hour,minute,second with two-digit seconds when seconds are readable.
11,54
